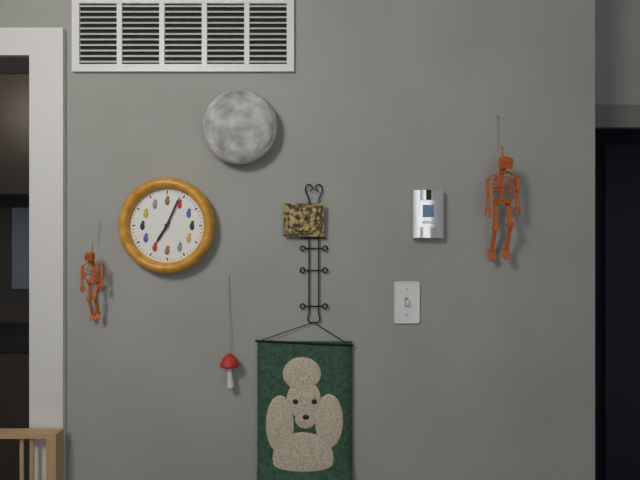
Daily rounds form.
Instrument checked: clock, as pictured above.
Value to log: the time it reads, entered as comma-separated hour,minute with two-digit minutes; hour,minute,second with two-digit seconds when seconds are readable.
7,04
